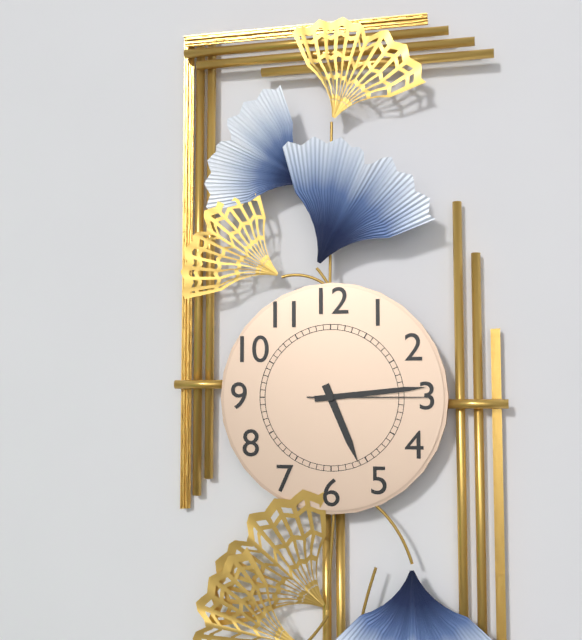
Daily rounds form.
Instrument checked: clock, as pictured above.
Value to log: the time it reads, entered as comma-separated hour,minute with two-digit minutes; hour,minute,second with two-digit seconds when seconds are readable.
5,14,15
